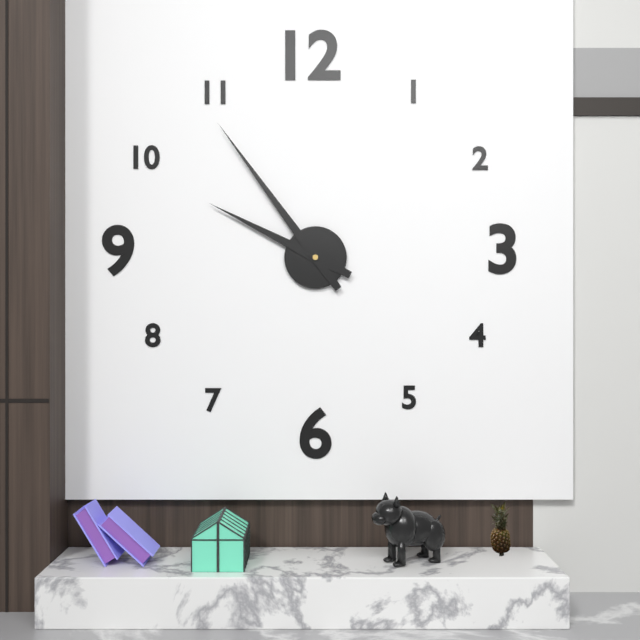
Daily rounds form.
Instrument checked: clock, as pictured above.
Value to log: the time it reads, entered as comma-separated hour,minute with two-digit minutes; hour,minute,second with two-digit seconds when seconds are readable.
9,54
